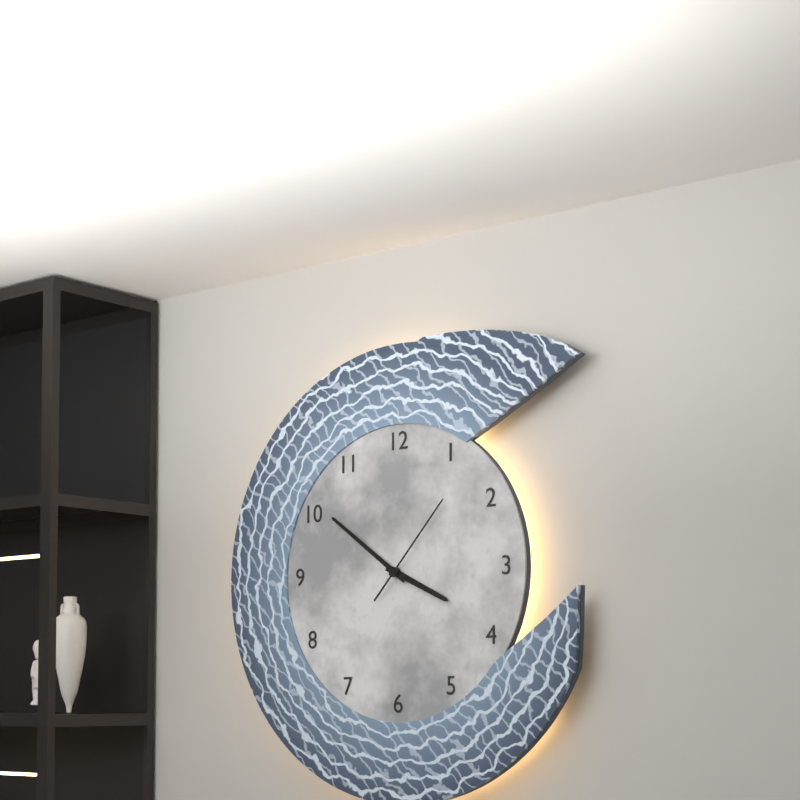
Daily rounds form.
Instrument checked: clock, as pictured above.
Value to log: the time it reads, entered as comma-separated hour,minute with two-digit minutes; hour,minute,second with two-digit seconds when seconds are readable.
3,51,07
